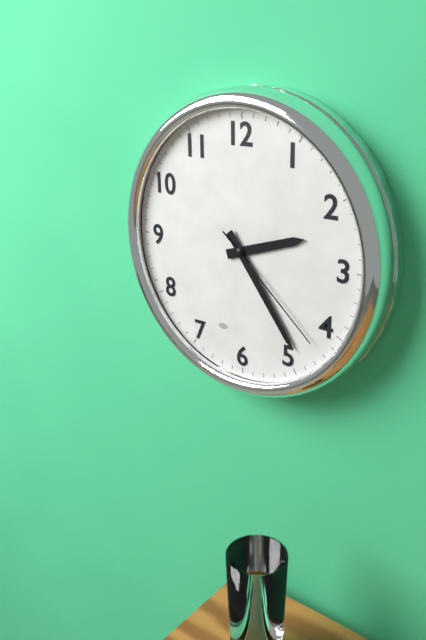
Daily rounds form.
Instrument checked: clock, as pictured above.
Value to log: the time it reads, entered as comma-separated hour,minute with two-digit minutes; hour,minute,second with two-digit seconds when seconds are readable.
2,24,22
